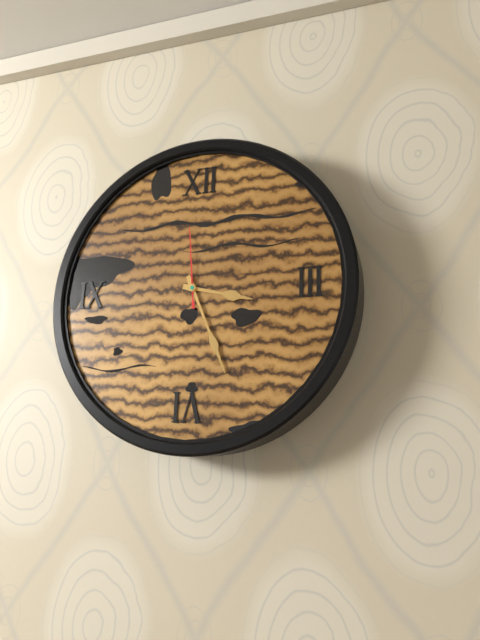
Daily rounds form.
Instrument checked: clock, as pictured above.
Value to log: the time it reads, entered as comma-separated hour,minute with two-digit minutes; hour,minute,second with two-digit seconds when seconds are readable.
3,26,59
